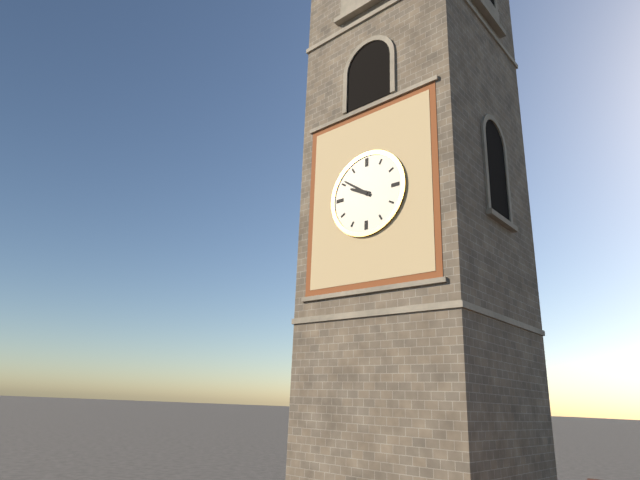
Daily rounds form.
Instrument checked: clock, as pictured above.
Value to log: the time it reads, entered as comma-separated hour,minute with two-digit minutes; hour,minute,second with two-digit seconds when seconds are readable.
9,51
